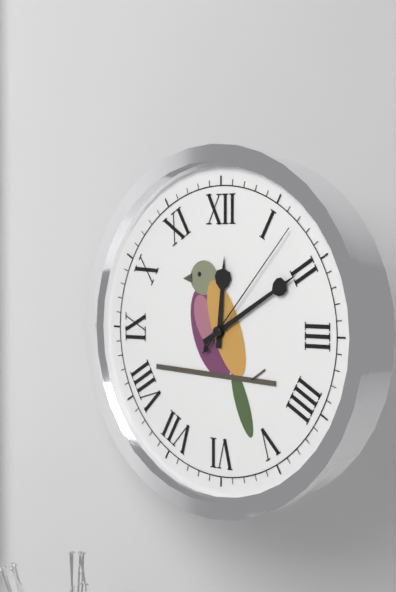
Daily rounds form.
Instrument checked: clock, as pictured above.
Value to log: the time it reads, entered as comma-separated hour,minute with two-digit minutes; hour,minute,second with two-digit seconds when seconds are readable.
12,10,07
